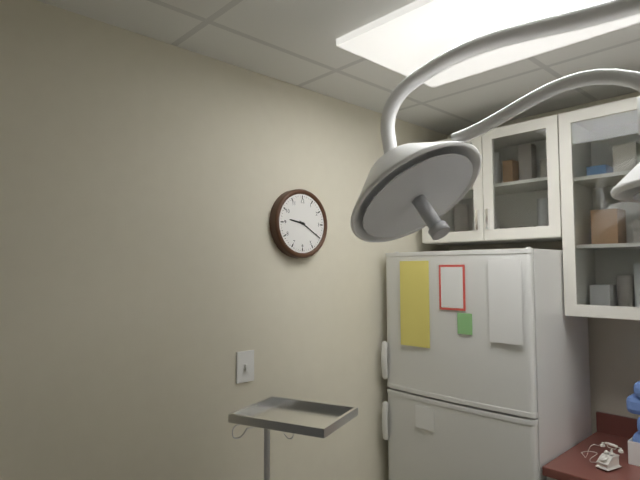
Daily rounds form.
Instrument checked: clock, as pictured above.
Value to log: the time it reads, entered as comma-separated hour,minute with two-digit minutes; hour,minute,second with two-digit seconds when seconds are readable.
9,20
